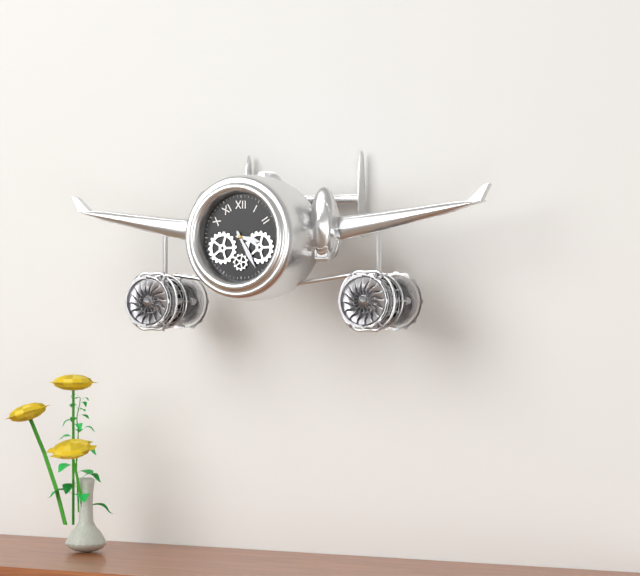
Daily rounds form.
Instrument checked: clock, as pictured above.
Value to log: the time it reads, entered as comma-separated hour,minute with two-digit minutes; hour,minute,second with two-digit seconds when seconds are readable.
3,25
